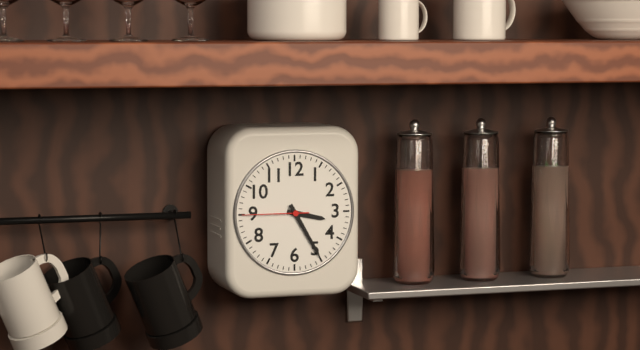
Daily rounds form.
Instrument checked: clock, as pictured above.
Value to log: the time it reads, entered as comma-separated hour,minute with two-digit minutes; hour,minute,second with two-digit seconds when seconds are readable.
3,25,45
